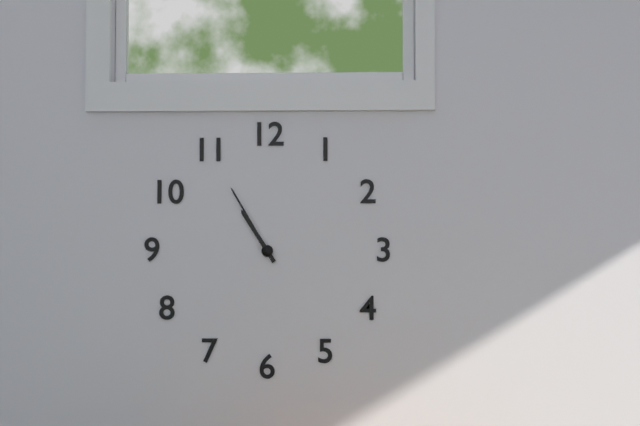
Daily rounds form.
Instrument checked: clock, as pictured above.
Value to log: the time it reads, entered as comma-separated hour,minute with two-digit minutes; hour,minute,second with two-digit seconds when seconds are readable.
10,55
